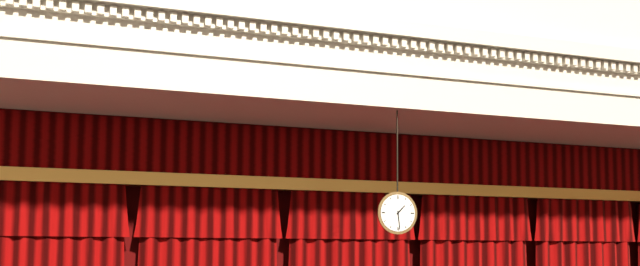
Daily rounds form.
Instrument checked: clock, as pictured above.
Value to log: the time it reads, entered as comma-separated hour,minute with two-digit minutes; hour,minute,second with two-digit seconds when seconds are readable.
1,29
